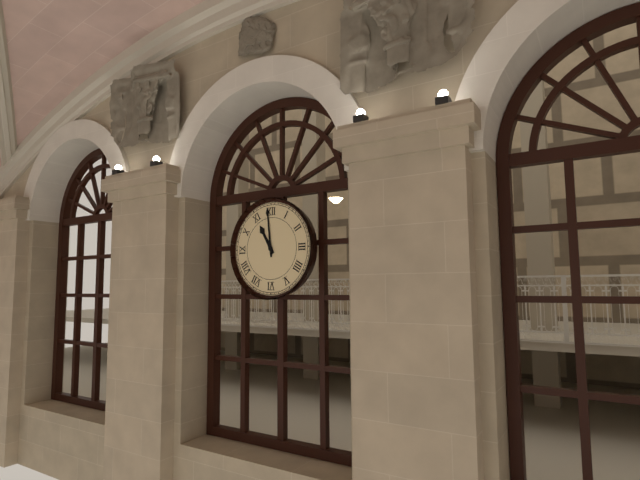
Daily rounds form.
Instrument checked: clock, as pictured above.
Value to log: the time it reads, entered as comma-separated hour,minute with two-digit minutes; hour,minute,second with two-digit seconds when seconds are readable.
10,59
